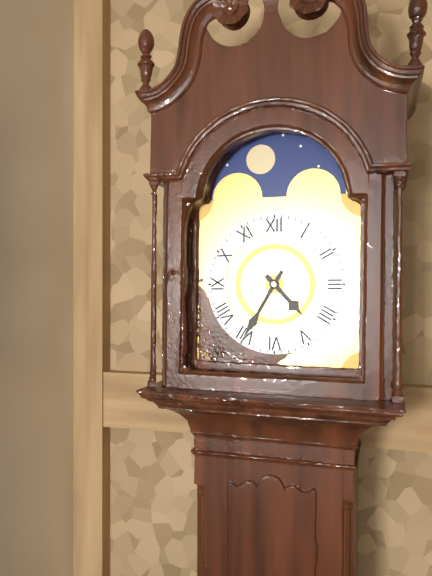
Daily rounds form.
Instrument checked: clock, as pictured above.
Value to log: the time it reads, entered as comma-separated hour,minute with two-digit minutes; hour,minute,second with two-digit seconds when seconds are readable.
4,35
